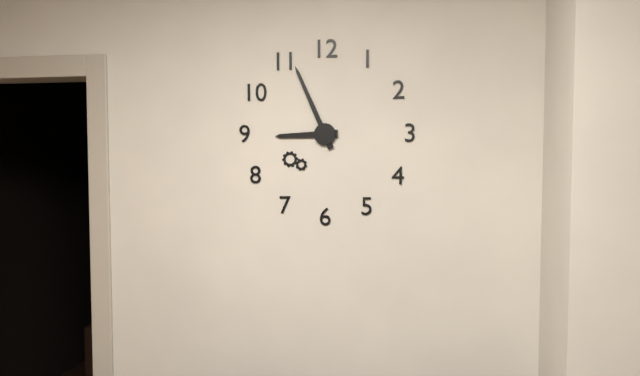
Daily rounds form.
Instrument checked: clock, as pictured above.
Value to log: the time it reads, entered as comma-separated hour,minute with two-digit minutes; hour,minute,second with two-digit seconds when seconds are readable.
8,56
